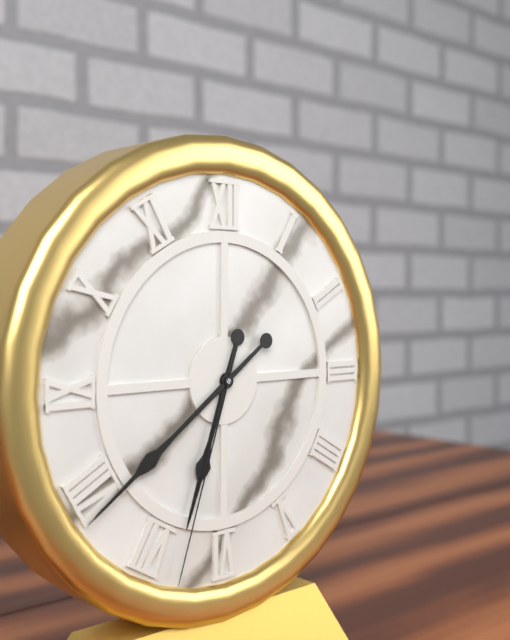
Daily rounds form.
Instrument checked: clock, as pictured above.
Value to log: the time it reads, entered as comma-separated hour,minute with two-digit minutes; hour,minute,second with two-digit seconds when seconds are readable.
6,39,33
